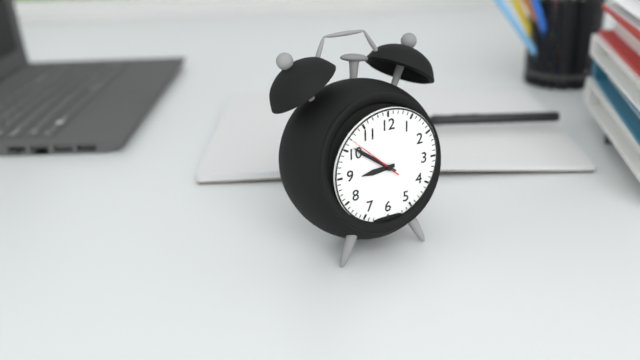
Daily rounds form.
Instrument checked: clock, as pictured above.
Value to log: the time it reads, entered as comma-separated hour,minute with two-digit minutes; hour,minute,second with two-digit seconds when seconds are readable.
8,51,52
